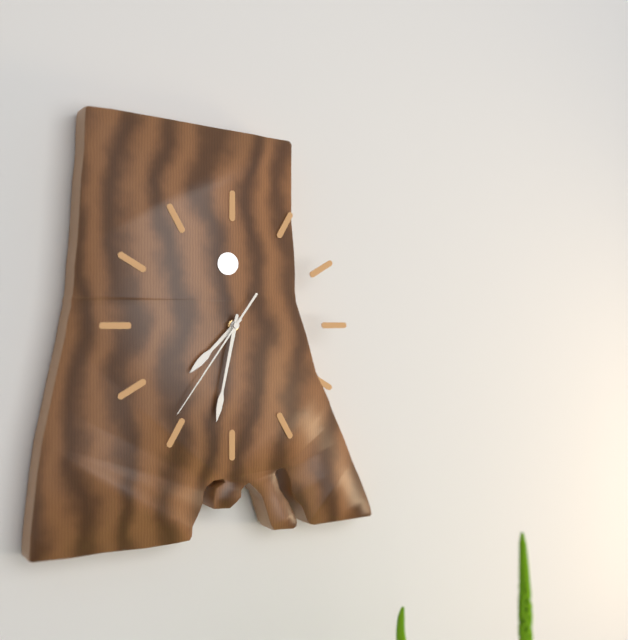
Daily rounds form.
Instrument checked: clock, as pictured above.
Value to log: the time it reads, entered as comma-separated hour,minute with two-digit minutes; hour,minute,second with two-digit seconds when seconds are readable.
7,32,36
